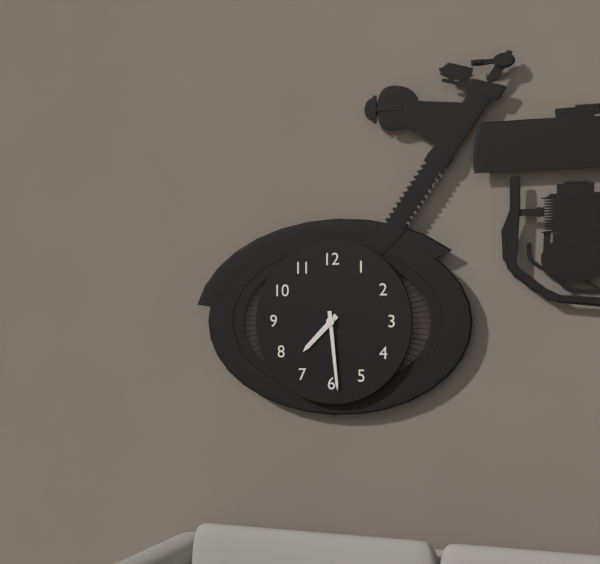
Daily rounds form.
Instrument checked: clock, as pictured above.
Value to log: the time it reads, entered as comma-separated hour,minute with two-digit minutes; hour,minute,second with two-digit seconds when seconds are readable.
7,29
